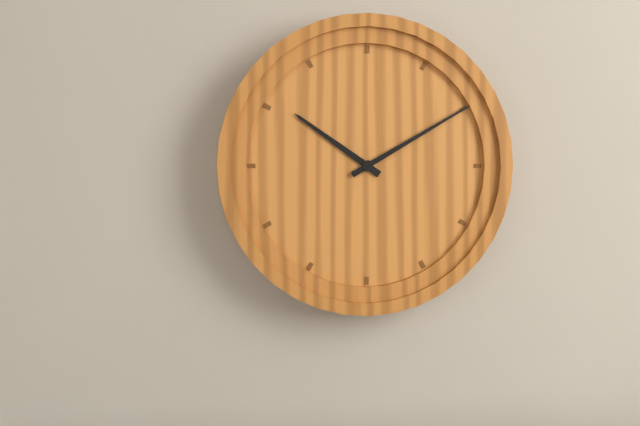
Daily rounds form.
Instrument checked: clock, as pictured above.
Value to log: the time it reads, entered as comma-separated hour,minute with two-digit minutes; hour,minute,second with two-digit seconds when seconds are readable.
10,10
